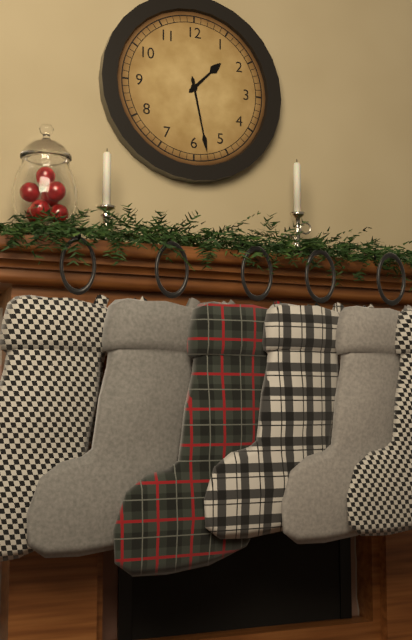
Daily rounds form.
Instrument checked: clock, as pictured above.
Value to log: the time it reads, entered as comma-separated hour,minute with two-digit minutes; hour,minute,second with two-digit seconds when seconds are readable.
1,28
